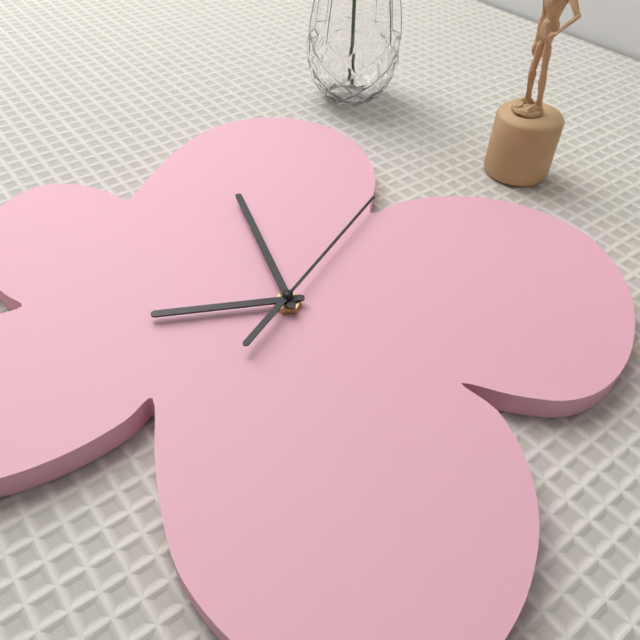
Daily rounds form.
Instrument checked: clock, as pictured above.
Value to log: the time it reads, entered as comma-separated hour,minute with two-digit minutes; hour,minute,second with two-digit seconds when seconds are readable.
7,53,01
